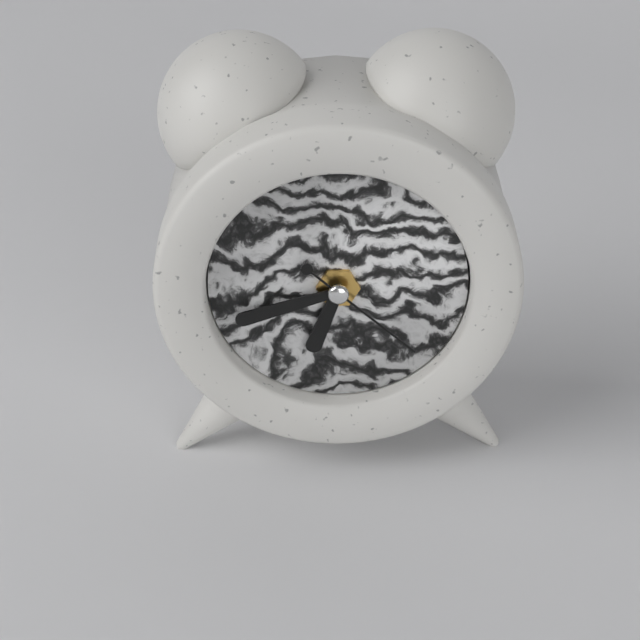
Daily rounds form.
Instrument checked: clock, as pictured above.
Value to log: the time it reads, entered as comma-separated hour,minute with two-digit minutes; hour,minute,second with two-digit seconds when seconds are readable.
6,42,22
